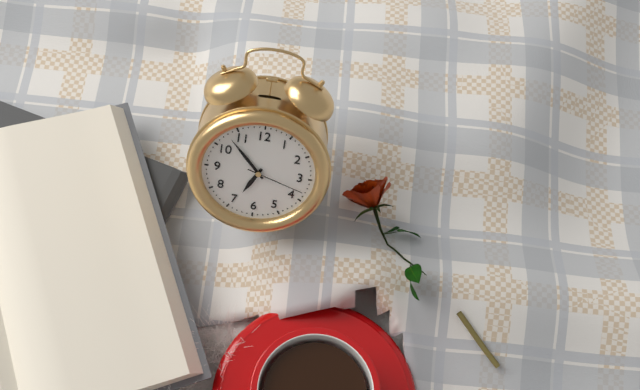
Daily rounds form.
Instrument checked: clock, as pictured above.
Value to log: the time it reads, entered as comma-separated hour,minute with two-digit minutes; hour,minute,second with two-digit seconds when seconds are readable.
6,53,18
